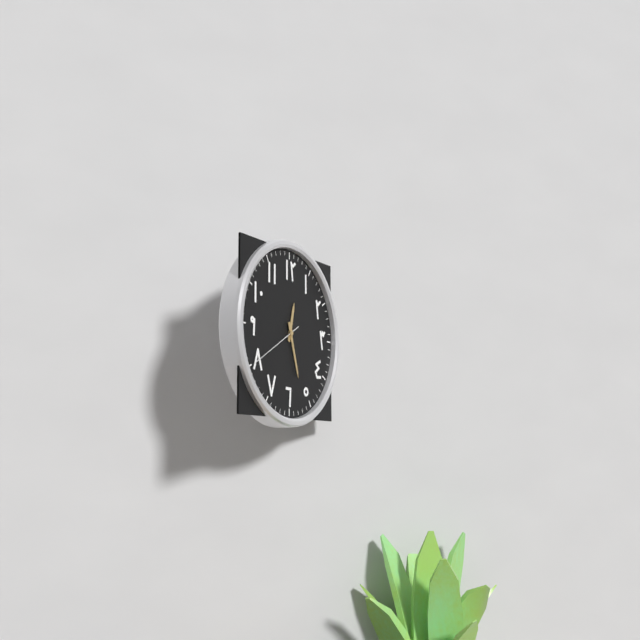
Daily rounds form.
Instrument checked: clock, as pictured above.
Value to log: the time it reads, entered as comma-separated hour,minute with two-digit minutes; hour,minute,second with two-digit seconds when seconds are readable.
12,27,40
